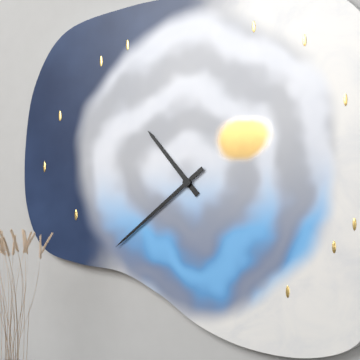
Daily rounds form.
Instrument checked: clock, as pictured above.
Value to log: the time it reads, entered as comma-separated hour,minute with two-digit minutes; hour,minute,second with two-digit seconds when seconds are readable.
10,39
